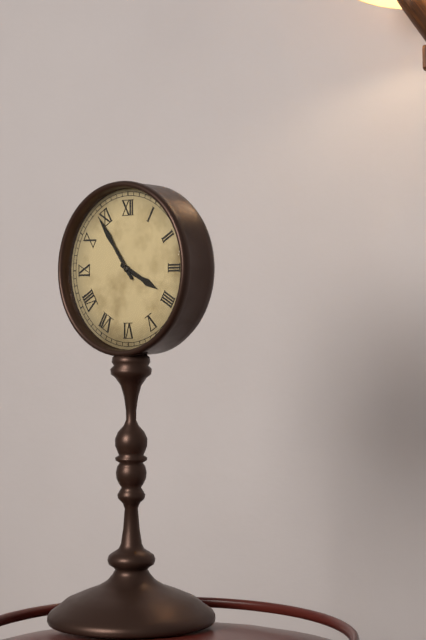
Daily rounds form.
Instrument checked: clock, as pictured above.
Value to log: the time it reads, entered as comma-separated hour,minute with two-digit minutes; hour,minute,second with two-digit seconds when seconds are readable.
3,54
